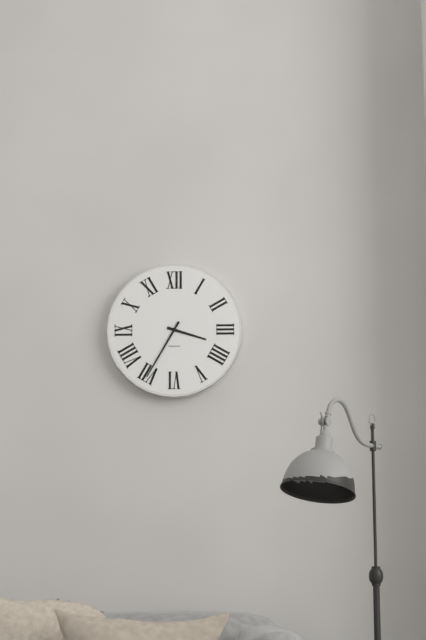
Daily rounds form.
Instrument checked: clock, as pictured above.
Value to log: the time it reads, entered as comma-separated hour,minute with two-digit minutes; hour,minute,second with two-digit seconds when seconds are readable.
3,35
